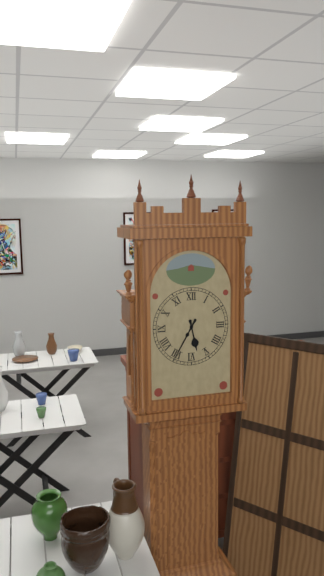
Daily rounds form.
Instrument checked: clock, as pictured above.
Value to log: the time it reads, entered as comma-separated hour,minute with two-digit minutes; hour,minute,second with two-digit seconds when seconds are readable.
5,35
